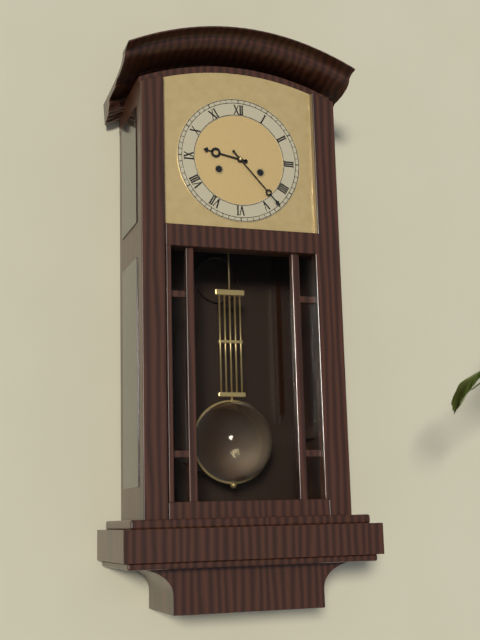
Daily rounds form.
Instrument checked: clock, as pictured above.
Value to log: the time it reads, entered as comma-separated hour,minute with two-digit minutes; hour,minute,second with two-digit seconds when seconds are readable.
9,23
